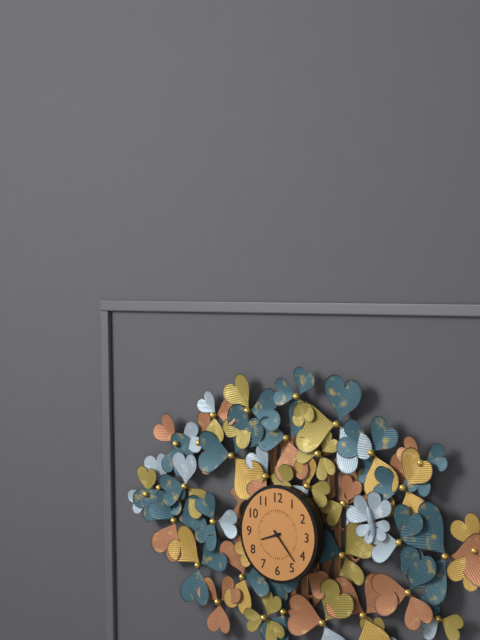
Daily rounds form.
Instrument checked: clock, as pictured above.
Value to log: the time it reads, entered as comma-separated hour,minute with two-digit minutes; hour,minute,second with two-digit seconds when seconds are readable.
8,23
